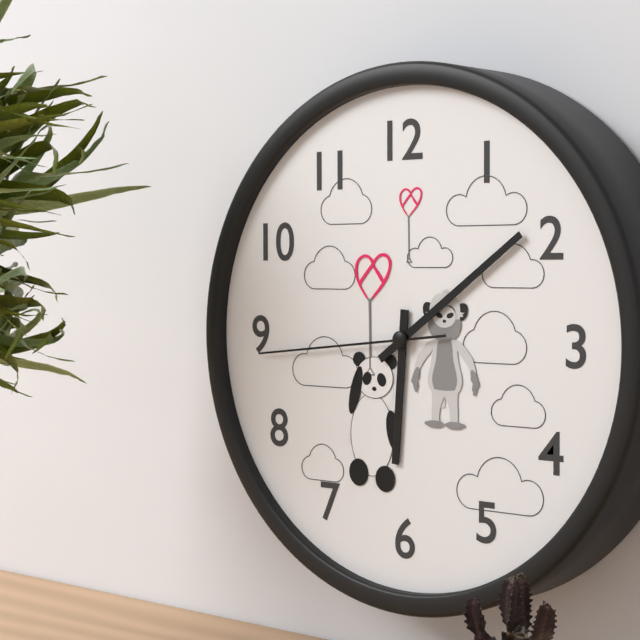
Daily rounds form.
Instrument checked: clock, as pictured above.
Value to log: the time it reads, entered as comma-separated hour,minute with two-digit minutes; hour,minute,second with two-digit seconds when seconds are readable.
6,09,44
